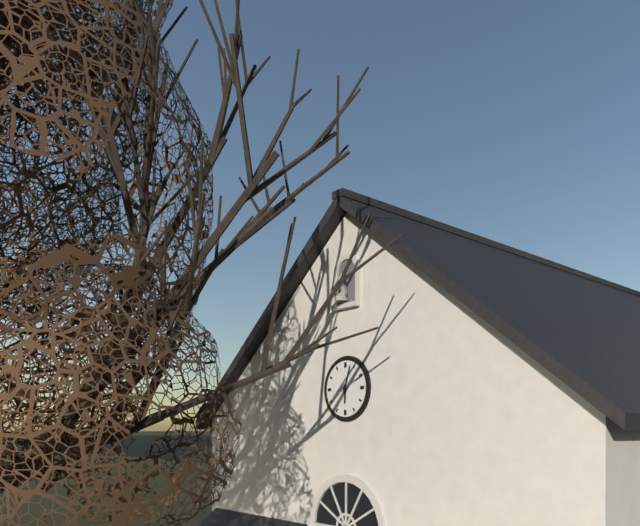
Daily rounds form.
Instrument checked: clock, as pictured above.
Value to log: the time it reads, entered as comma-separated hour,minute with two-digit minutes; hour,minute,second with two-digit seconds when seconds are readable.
6,03
